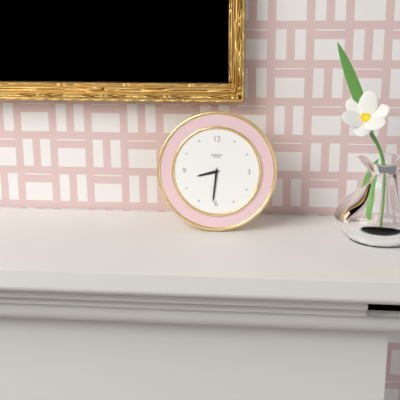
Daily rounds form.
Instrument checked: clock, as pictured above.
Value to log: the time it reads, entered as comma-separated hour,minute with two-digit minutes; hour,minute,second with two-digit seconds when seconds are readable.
8,31
